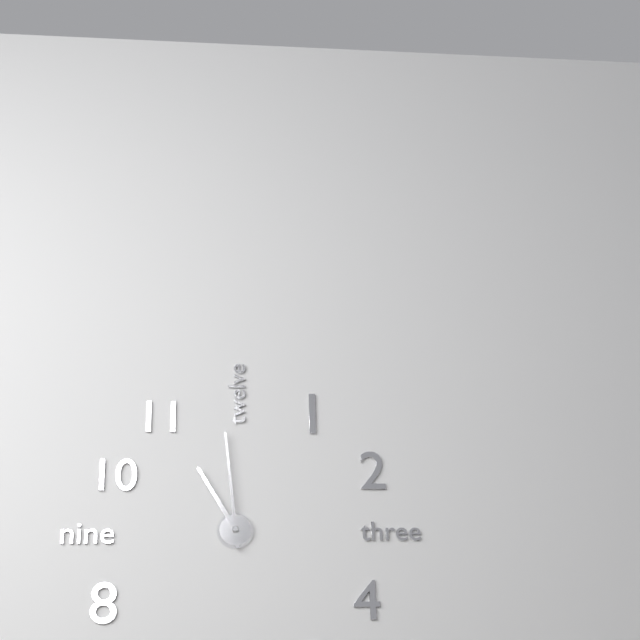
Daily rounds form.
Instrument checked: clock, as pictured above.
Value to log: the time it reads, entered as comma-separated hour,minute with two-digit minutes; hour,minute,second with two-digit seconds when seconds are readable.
10,59
